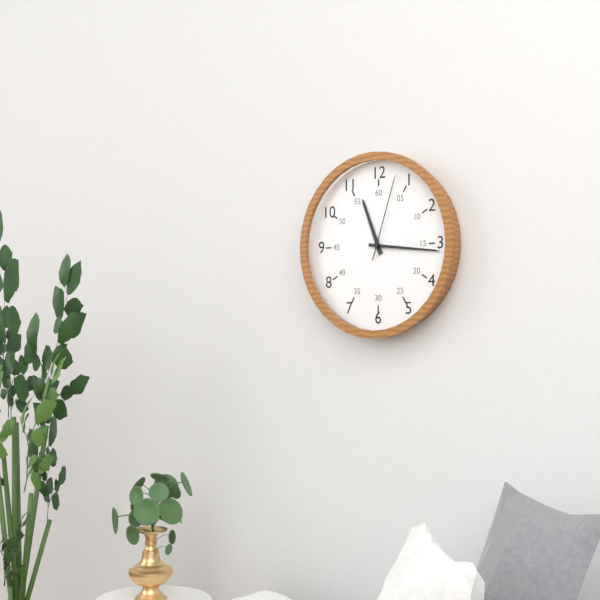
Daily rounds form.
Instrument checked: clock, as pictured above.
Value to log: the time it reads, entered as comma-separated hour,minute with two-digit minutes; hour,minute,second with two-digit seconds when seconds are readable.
11,16,03
